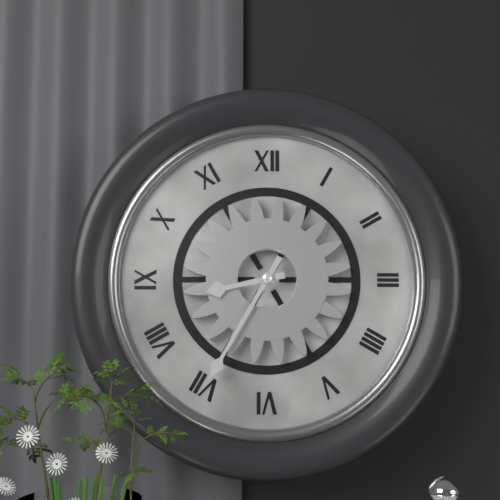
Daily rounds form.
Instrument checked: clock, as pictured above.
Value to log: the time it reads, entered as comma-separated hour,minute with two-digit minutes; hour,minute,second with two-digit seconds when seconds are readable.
8,35
